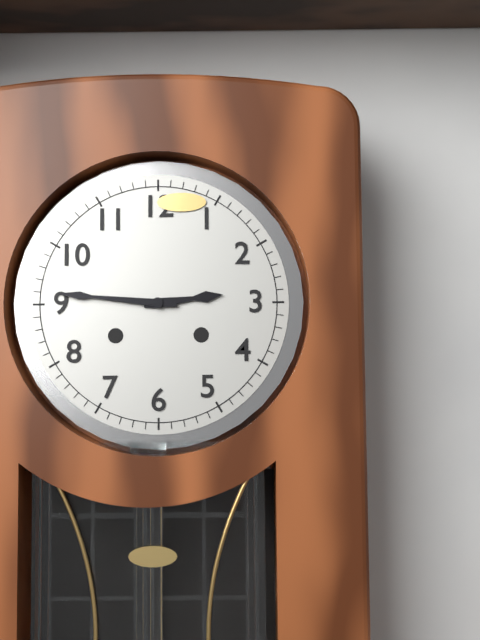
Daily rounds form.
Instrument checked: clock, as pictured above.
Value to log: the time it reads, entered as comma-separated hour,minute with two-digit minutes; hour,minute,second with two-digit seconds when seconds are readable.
2,46
